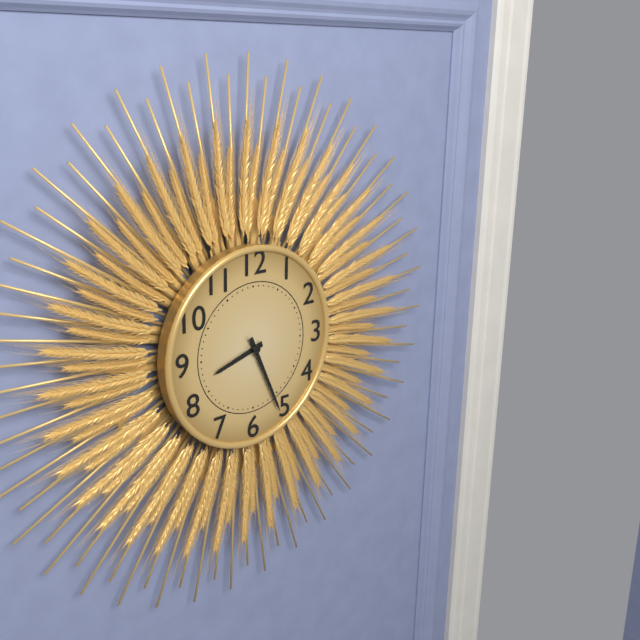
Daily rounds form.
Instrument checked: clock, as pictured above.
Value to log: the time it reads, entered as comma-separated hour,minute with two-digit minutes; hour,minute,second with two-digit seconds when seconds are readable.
8,26
